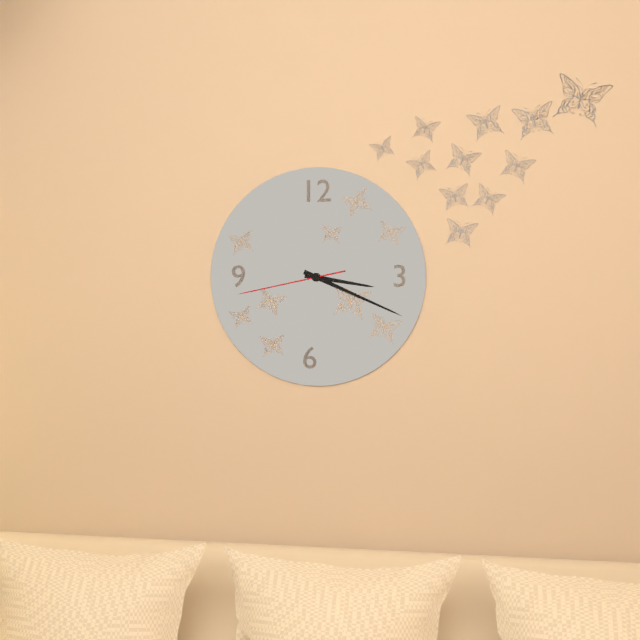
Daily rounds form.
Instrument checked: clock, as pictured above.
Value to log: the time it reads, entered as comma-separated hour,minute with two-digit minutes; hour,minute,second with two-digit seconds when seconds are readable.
3,19,43
